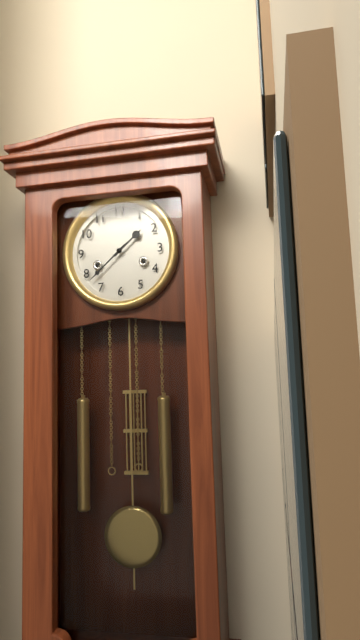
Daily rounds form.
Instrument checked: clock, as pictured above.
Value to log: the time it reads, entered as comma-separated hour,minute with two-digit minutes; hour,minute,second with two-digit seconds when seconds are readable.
1,38
